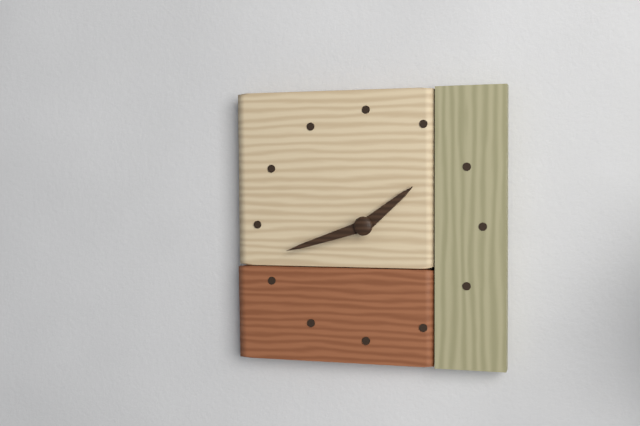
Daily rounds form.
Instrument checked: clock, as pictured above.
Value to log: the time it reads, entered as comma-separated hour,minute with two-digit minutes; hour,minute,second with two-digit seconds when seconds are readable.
1,42
